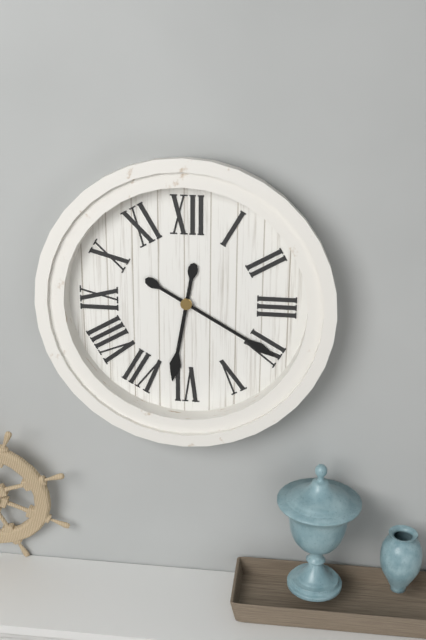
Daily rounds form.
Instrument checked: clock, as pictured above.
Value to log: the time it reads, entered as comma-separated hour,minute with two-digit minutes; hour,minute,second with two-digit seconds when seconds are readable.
6,20
